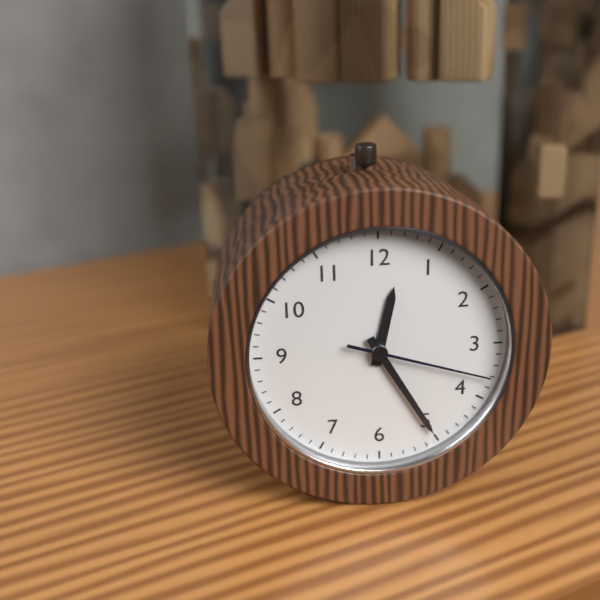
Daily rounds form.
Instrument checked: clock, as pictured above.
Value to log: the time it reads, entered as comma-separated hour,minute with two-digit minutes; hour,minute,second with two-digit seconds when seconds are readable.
12,25,18
